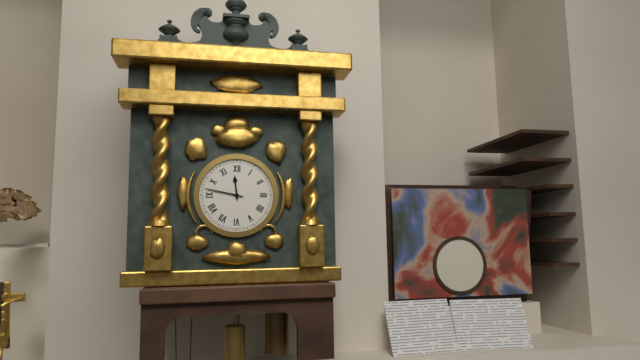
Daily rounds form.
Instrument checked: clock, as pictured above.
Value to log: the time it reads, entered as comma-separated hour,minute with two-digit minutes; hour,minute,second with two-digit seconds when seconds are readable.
11,47
